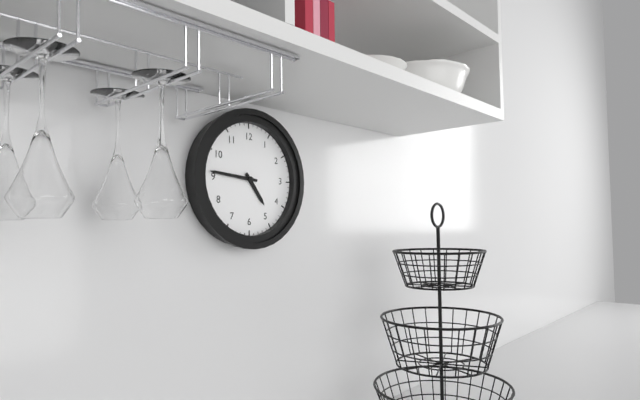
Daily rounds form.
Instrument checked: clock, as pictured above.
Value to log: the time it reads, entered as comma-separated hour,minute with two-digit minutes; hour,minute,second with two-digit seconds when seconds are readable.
4,46
